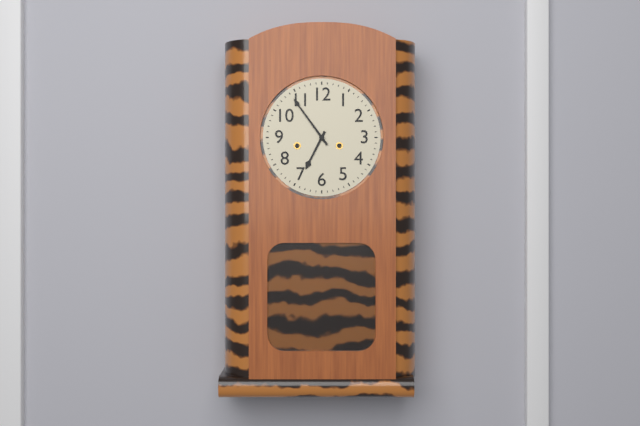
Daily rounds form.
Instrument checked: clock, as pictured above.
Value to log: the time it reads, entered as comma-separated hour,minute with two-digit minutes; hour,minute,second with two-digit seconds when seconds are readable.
6,54
